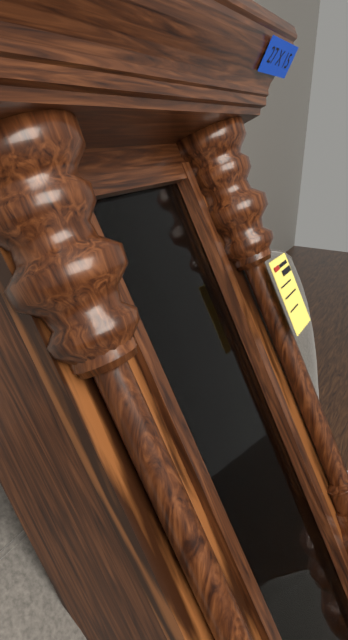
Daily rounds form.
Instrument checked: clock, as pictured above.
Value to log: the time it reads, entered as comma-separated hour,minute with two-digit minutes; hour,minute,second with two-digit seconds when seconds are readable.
12,05
